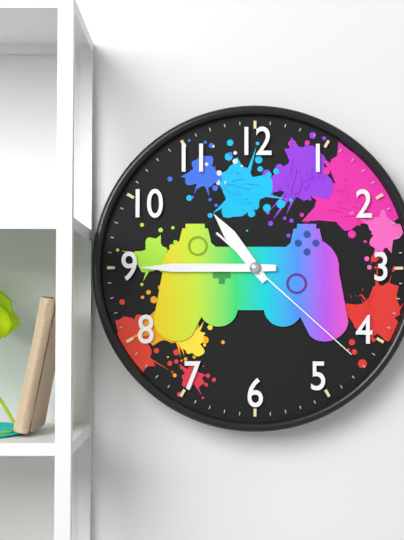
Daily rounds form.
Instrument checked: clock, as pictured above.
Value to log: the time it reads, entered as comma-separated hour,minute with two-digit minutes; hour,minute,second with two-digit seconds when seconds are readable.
10,45,22
